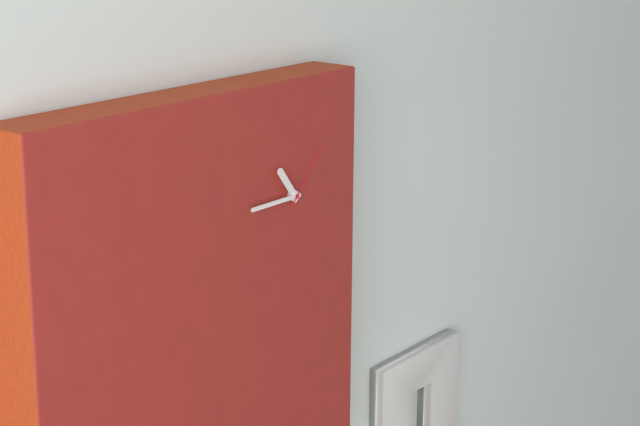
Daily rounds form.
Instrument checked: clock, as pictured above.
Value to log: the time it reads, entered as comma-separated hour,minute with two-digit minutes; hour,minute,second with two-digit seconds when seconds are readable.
10,45,07
